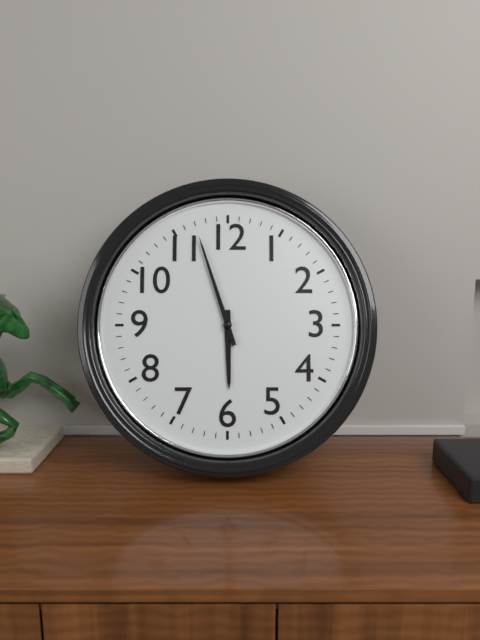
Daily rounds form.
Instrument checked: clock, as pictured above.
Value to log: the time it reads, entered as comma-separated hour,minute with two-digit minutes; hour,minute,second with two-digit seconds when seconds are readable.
5,57
